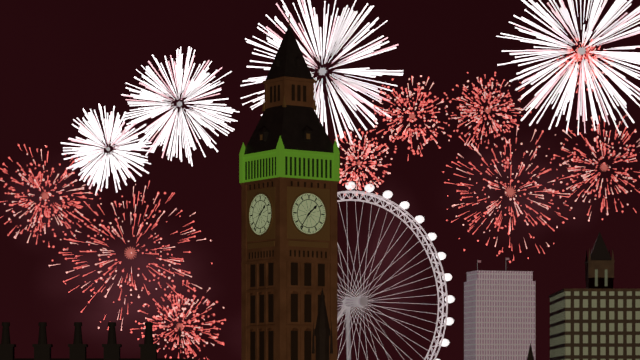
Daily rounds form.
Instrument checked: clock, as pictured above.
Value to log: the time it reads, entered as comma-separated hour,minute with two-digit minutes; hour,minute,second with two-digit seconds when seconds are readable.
1,36
